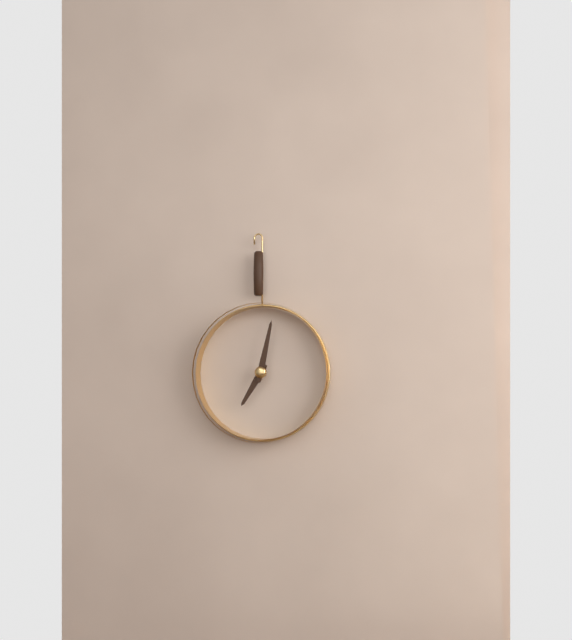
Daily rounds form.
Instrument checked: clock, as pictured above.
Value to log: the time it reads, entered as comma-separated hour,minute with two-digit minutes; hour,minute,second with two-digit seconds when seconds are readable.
7,02
